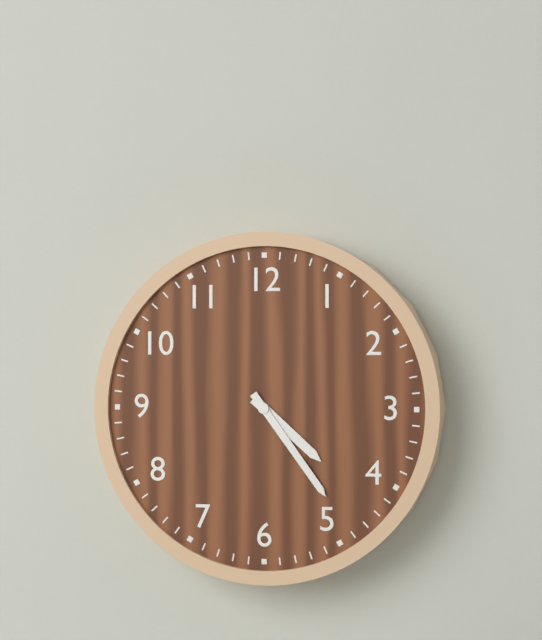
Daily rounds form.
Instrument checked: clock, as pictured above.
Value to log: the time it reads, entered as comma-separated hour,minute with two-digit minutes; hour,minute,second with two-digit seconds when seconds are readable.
4,24
